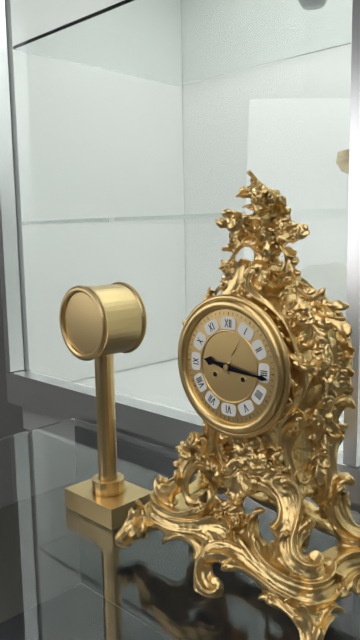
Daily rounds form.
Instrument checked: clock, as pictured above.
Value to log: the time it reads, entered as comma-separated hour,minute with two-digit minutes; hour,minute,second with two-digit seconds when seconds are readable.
9,16
